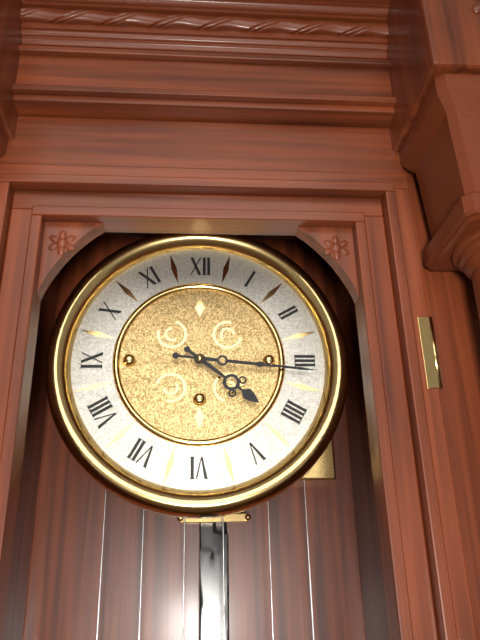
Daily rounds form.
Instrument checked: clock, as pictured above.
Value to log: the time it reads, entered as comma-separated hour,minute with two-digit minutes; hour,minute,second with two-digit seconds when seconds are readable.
4,16
